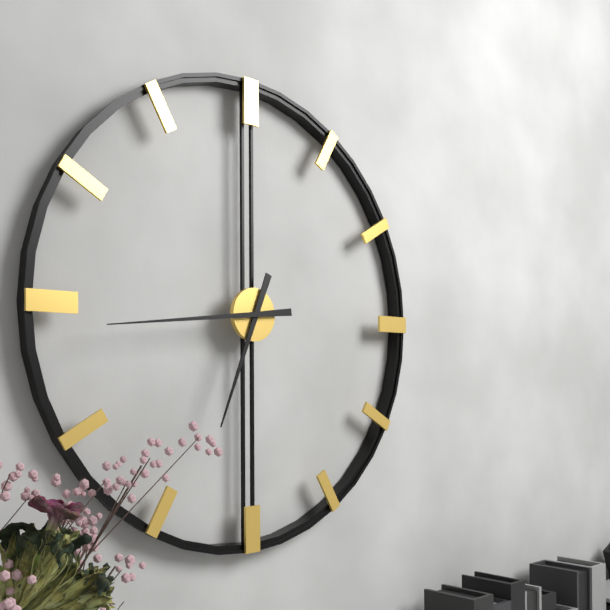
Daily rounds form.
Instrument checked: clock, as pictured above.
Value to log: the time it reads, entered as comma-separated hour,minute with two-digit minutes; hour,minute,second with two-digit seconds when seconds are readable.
6,44
